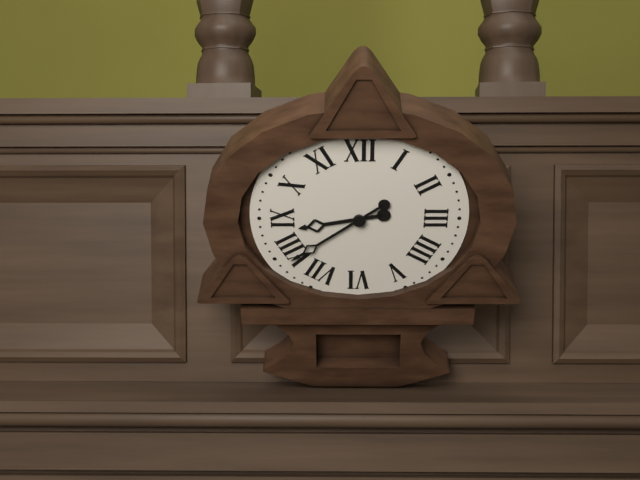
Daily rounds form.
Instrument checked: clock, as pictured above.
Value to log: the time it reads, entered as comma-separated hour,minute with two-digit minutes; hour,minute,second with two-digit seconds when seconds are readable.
8,39
